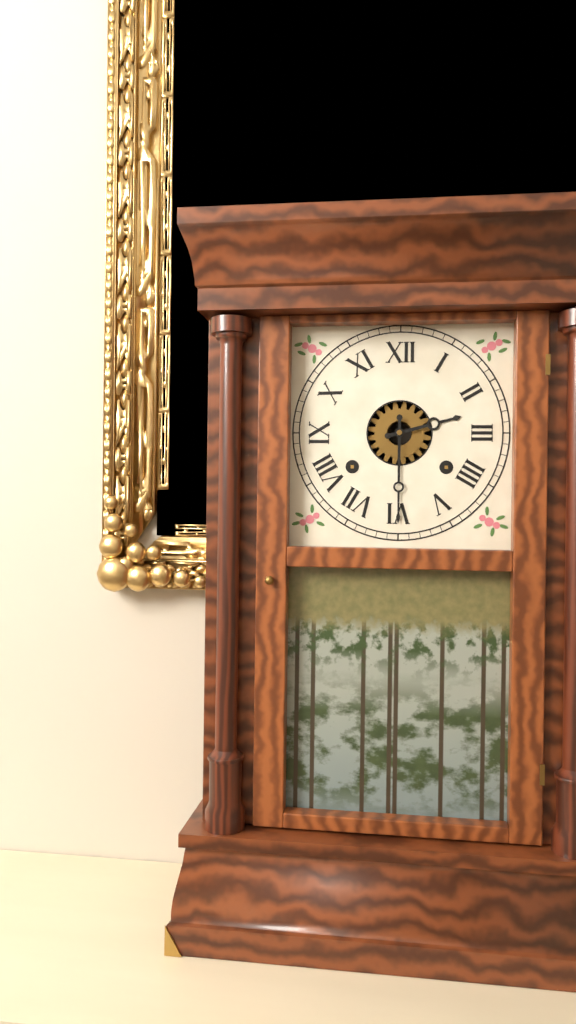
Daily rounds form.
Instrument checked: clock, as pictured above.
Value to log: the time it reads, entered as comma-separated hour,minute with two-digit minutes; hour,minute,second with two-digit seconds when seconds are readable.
2,30
